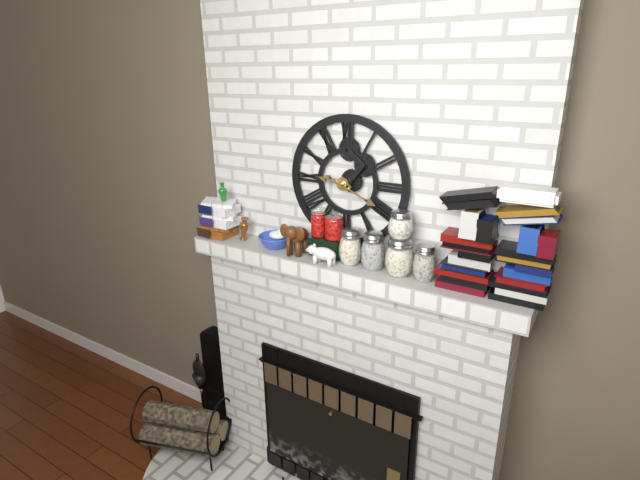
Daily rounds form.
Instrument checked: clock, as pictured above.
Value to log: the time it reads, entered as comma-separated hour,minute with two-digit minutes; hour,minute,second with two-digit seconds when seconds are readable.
9,19
